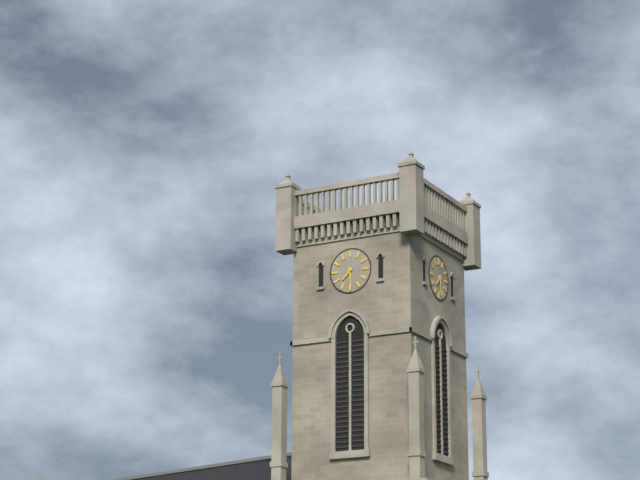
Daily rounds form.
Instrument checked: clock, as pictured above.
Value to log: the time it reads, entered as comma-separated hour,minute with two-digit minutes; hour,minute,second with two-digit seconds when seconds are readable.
7,29
